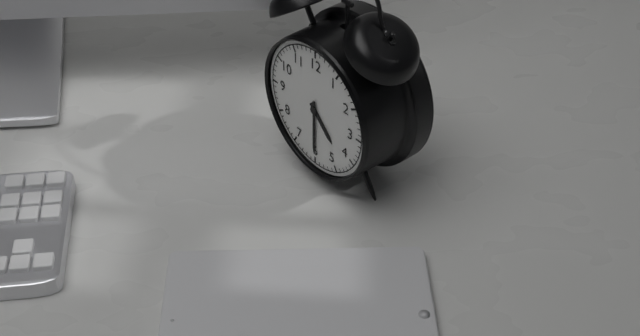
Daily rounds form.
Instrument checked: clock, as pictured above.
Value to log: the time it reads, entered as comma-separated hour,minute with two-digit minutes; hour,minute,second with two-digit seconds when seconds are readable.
4,30
